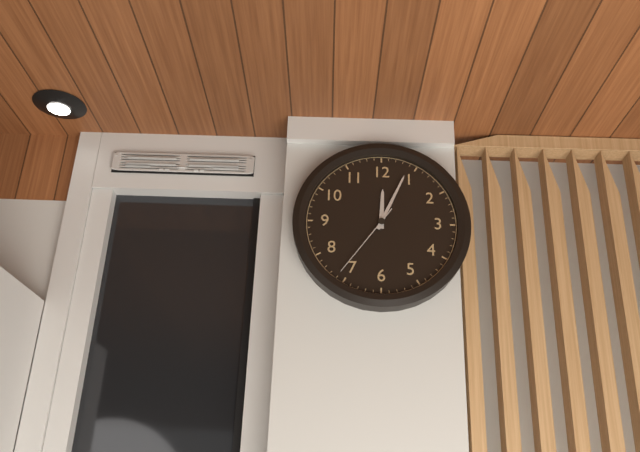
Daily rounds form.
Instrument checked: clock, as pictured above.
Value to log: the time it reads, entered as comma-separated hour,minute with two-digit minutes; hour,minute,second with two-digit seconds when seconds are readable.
12,04,36
